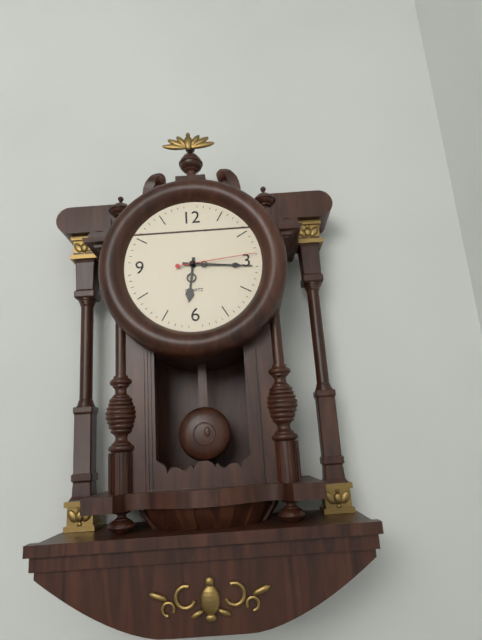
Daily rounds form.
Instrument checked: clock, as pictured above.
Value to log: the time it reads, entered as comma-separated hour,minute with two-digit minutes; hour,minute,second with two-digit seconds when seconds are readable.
6,16,14
